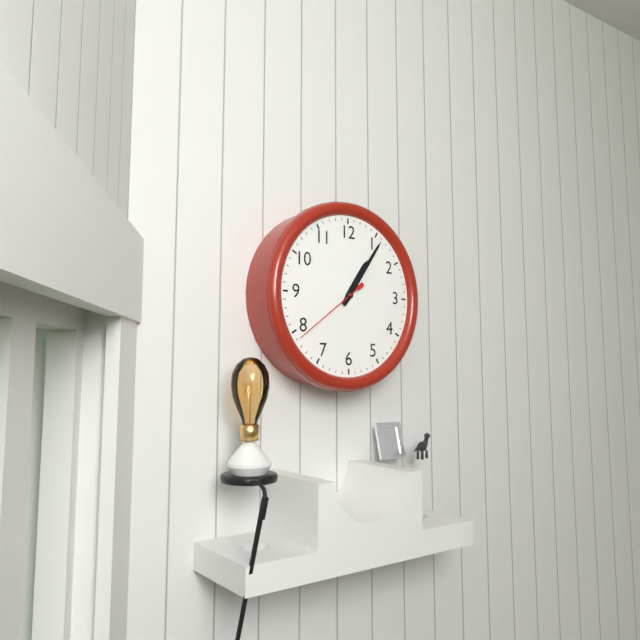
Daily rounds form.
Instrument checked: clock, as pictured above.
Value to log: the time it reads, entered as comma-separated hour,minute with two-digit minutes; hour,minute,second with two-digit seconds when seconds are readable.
1,06,39
